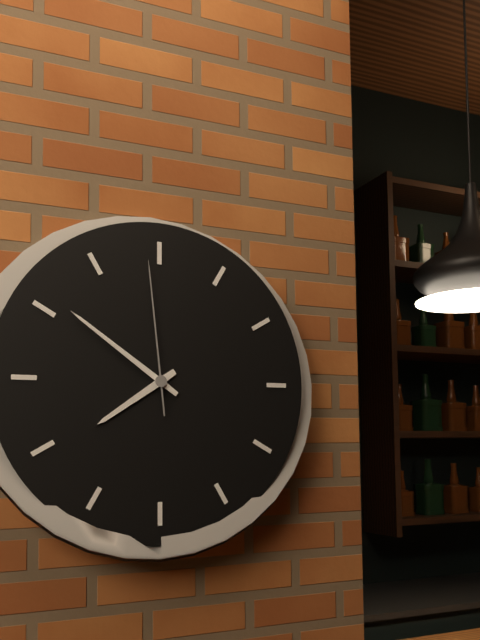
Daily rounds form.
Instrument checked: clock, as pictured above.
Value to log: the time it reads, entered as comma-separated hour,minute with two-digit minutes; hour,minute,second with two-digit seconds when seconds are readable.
7,51,59
